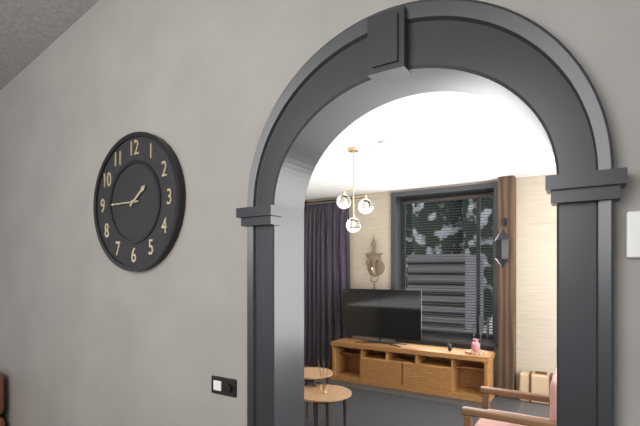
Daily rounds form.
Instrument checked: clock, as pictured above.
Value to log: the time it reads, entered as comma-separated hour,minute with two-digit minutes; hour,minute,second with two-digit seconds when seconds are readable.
1,45
